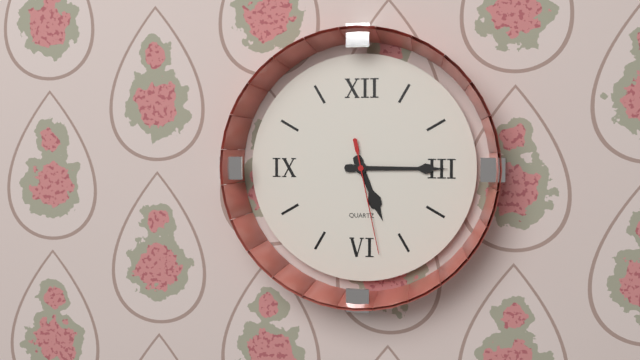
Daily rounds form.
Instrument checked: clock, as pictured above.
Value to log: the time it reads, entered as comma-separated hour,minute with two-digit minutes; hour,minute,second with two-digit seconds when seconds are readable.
5,15,28
